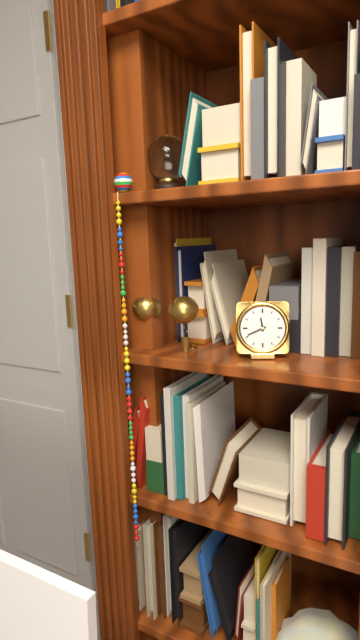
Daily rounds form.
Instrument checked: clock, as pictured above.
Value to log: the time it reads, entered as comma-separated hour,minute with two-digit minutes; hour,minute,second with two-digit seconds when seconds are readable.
11,41
